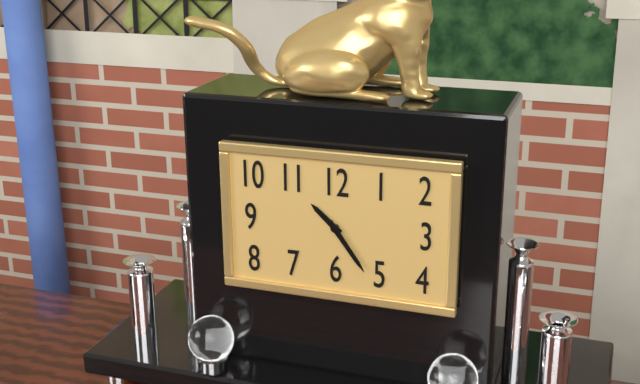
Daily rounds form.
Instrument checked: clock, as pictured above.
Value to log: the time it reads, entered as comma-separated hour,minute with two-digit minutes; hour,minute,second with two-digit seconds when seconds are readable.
10,24
